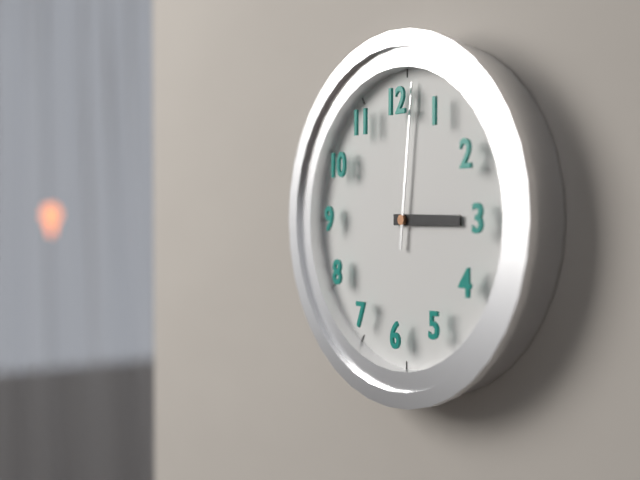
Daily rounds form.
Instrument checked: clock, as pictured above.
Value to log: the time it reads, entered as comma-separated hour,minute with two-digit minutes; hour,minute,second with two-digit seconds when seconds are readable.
3,01
